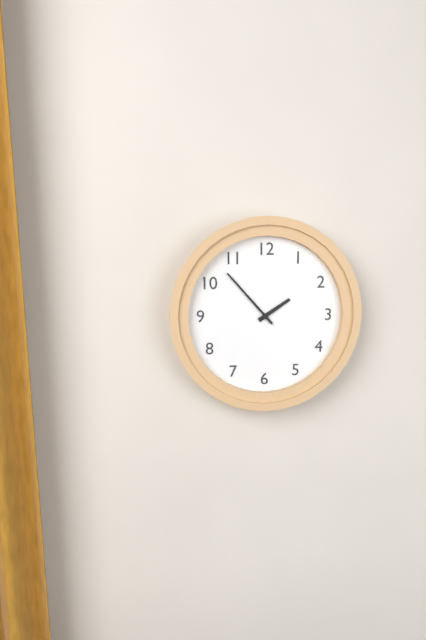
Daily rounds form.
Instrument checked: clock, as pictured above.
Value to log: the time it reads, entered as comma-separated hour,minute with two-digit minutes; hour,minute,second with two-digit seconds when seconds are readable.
1,53
